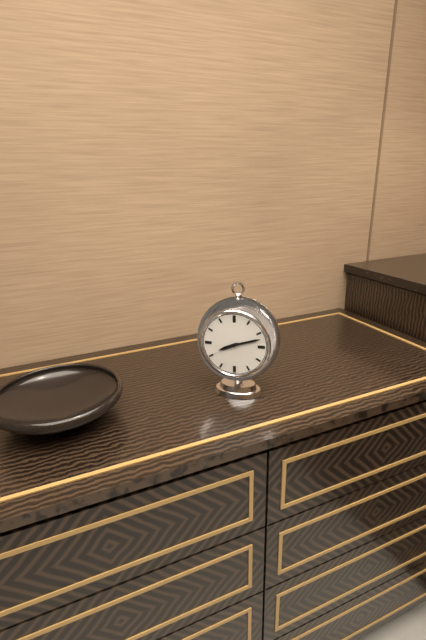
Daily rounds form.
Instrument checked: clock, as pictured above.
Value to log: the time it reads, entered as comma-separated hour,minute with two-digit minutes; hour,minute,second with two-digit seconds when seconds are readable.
8,12
